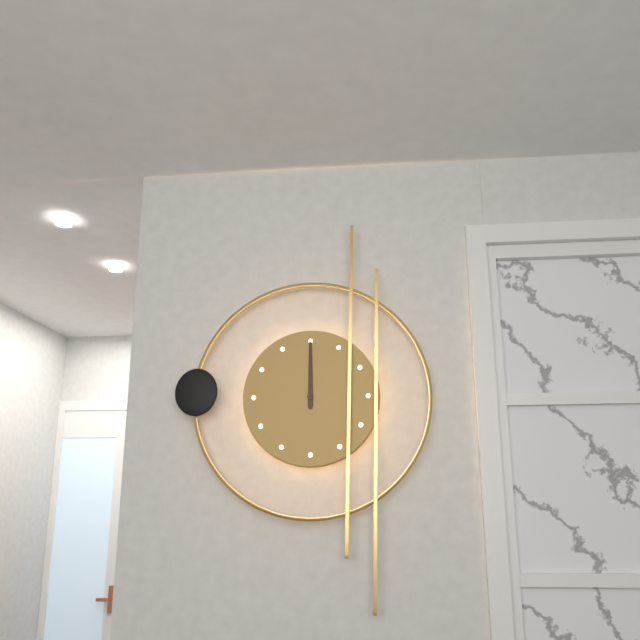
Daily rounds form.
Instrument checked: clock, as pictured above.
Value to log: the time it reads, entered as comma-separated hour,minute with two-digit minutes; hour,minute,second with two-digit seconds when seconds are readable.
12,00
